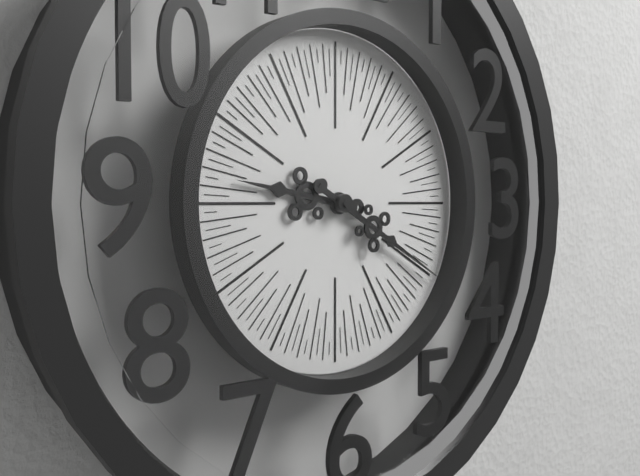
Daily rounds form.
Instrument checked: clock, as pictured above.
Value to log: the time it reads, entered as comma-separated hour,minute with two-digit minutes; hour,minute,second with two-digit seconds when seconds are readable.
9,20
